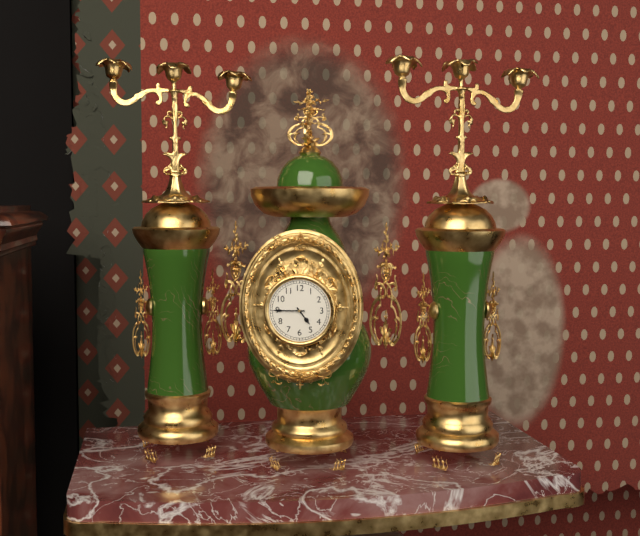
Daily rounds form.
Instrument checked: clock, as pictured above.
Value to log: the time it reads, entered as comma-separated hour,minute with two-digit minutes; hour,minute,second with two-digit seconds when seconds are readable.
4,45
